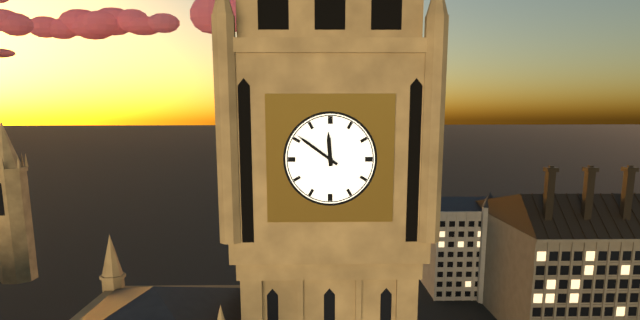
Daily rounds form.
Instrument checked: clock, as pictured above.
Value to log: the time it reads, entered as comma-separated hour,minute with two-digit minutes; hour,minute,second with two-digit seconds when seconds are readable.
11,51
